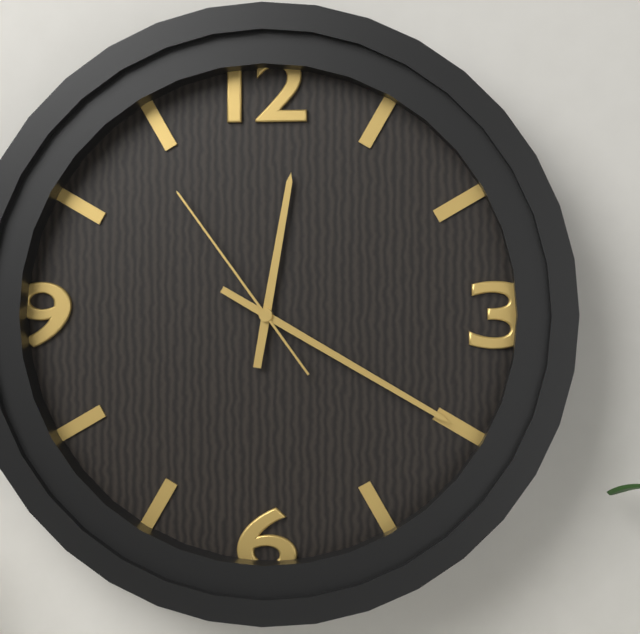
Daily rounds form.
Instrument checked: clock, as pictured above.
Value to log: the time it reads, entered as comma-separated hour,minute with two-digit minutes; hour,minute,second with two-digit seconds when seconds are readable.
12,20,54
